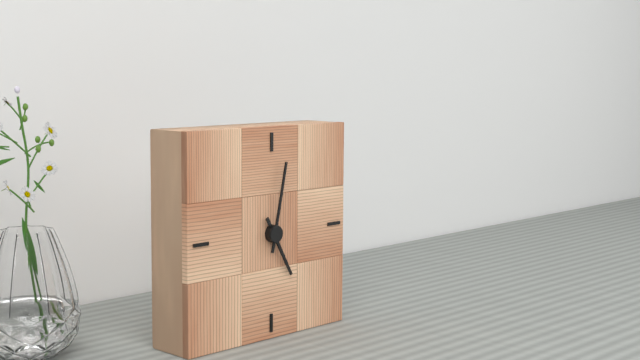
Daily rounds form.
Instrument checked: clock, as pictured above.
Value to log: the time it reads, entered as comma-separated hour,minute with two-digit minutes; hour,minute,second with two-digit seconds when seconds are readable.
5,02
